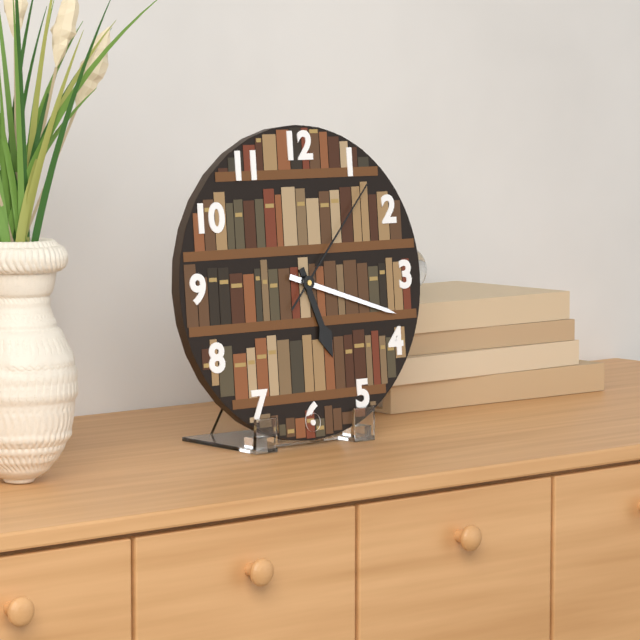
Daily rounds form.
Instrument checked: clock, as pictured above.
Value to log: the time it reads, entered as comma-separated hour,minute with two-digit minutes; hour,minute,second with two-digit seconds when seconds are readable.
5,18,07
